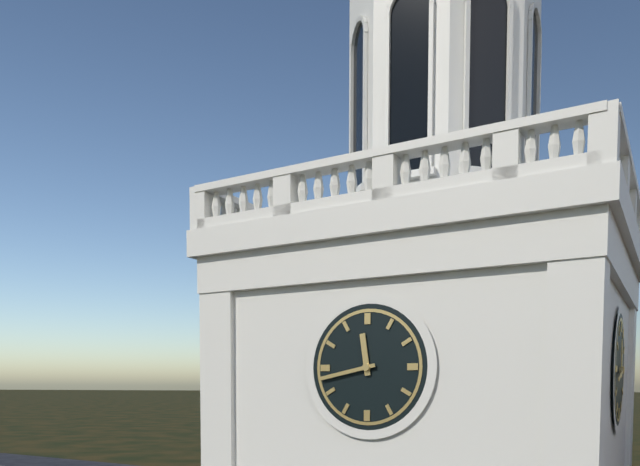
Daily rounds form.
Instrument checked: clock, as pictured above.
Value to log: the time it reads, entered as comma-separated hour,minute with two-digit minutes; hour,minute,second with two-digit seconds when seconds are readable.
11,43
